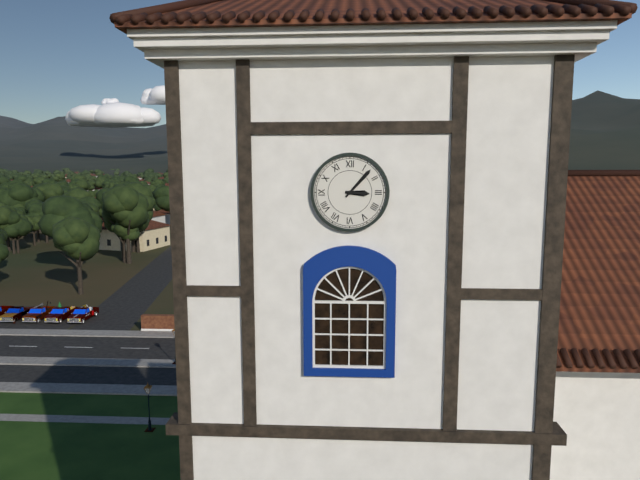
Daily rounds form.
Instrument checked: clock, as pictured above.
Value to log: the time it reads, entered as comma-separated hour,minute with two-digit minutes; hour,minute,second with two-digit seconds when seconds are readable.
3,07
